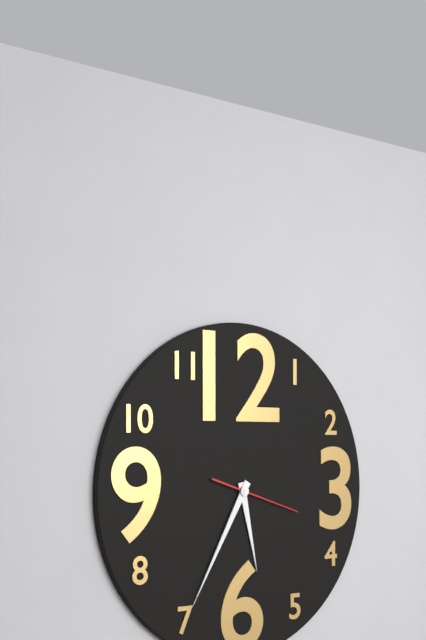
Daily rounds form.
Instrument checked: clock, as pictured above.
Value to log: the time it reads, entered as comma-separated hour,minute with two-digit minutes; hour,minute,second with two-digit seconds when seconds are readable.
5,35,18
